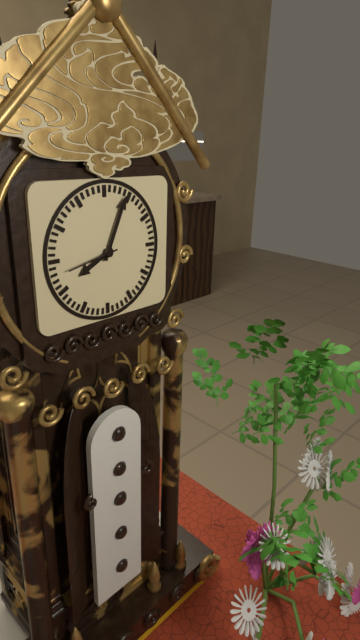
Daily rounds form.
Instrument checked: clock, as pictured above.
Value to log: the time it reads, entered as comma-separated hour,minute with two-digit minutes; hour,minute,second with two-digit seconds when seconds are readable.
8,04,43
